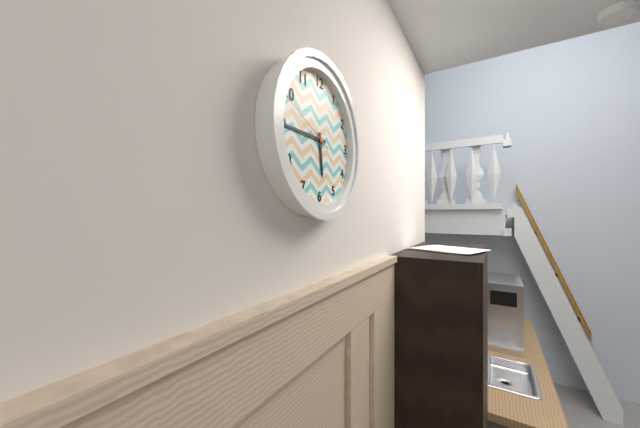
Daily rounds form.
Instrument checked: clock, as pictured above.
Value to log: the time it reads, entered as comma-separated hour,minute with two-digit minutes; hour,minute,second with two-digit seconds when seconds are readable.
5,45,49
